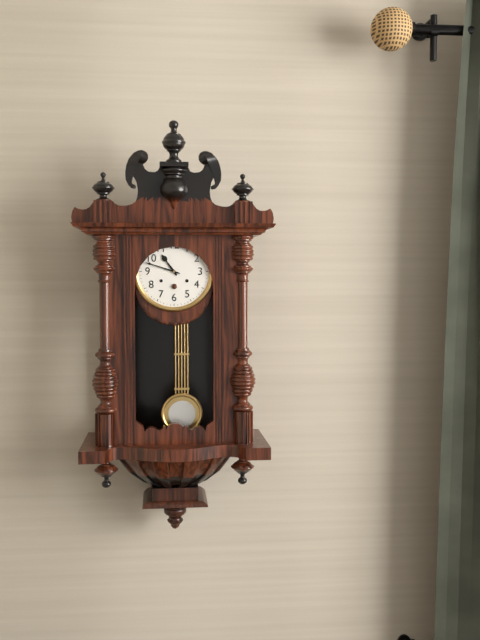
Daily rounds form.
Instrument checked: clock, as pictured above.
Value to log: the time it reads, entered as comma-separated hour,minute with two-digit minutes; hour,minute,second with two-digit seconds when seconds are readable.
10,48
